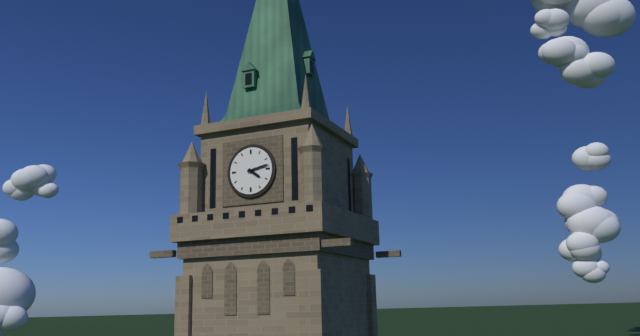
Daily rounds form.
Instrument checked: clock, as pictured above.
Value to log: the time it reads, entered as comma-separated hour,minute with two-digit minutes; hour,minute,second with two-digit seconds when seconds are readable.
4,13
